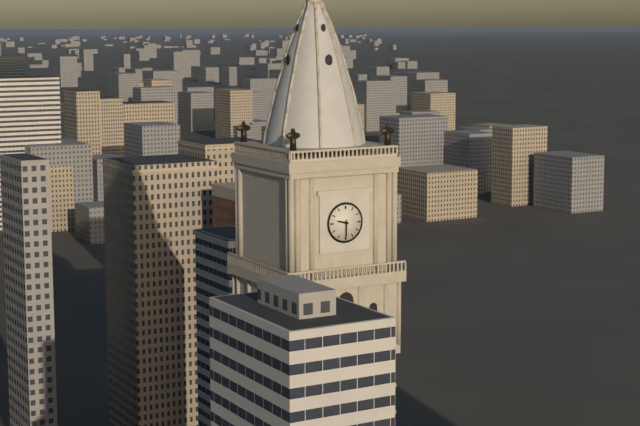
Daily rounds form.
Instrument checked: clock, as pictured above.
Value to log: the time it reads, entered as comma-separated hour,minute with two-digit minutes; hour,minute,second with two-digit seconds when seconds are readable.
9,30
